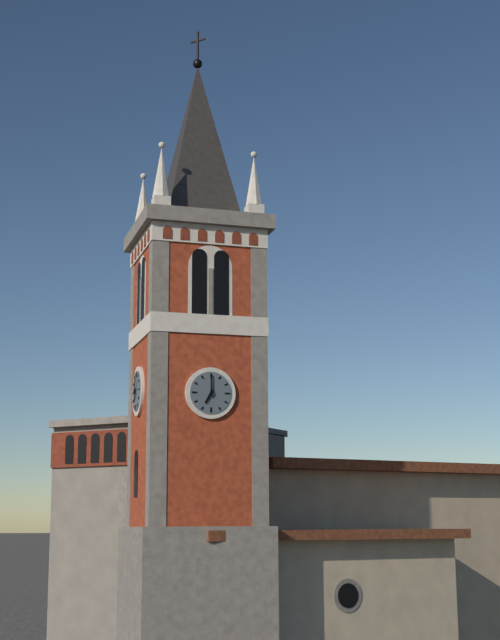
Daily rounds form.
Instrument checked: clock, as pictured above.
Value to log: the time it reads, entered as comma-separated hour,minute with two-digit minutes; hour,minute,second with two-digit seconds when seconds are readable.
7,00
